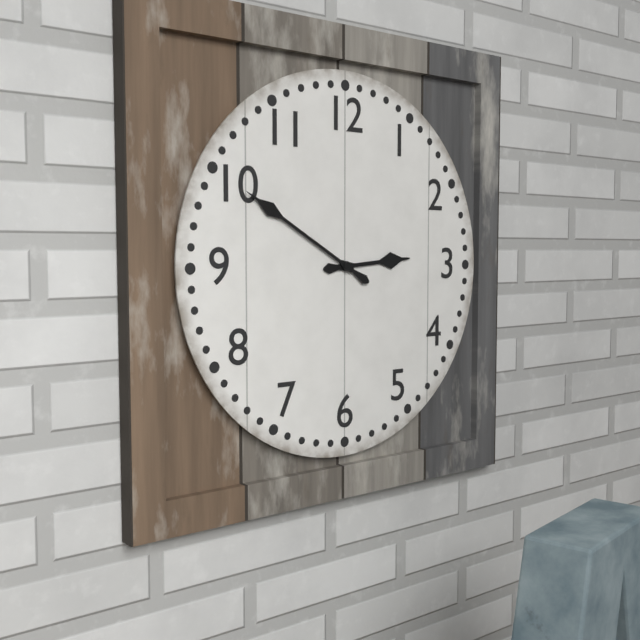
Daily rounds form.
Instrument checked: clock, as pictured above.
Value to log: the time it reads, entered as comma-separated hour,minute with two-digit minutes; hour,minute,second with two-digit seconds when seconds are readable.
2,50
